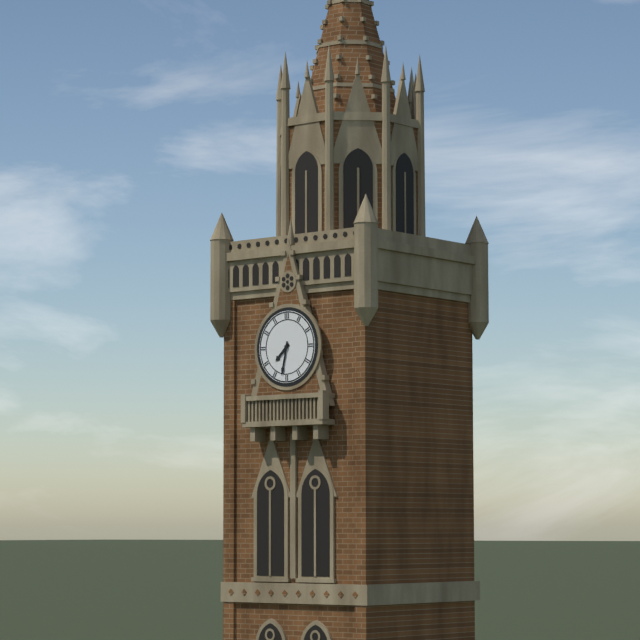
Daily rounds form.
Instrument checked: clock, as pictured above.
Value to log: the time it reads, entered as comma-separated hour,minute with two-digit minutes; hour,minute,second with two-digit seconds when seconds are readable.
7,32
